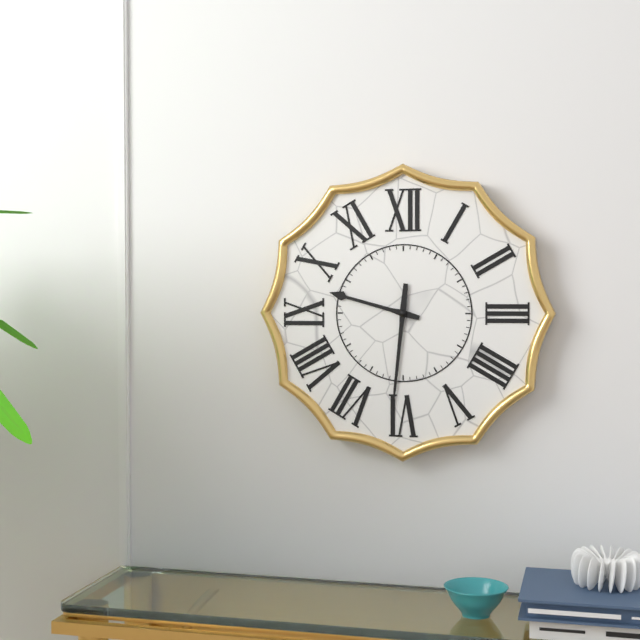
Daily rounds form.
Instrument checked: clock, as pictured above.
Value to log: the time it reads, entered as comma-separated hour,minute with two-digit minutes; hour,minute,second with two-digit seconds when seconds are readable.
9,31
